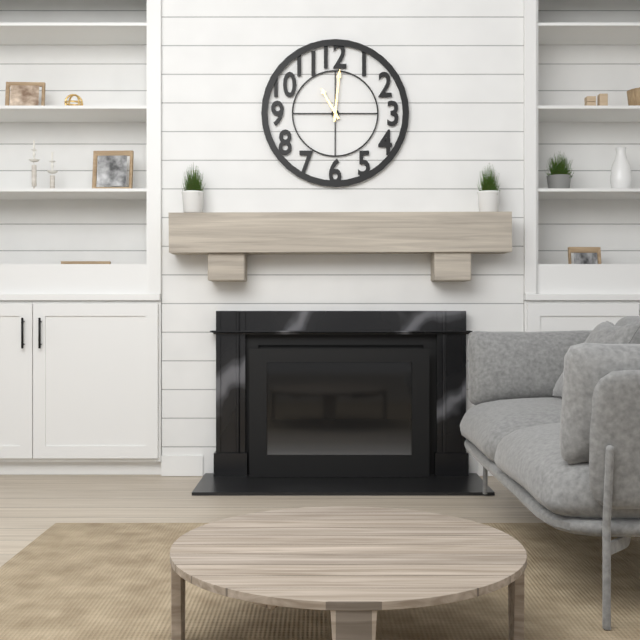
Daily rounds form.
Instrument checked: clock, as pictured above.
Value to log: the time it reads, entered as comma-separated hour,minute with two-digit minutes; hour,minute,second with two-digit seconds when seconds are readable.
11,01
